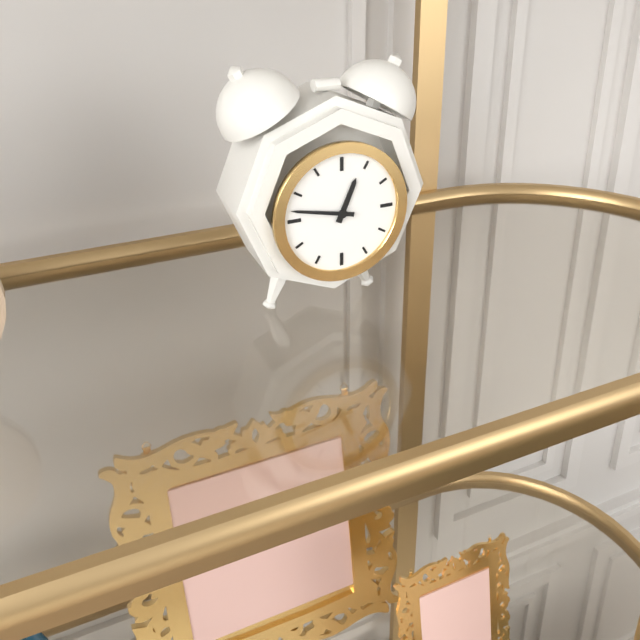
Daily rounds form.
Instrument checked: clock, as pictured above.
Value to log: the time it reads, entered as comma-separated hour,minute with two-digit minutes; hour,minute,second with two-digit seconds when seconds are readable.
12,47
